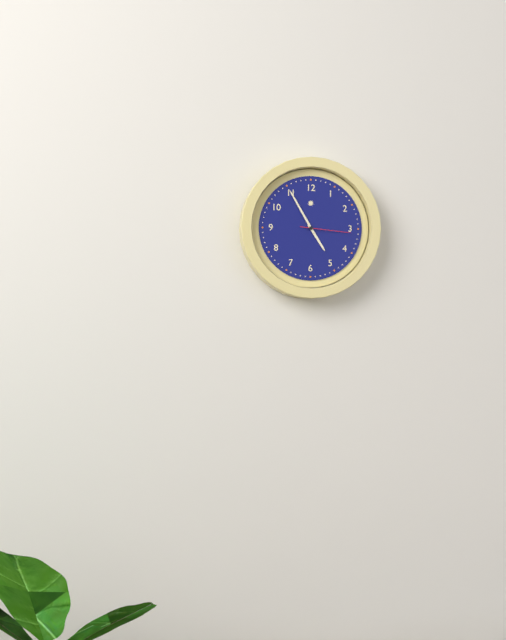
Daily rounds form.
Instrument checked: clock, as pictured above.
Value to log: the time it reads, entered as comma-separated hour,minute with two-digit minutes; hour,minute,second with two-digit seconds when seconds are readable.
4,55,16
